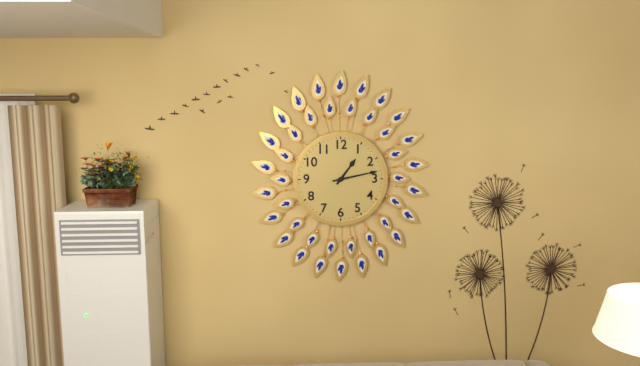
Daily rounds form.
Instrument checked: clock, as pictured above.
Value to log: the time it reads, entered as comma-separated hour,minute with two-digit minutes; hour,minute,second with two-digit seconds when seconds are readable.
1,13
